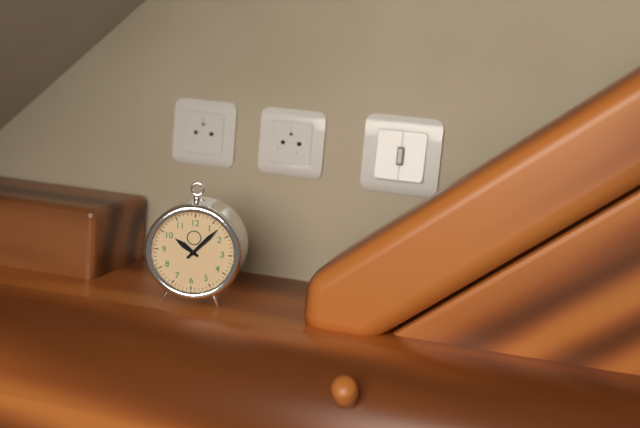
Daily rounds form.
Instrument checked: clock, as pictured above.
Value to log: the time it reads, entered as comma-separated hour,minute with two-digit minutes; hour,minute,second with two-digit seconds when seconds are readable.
10,07
